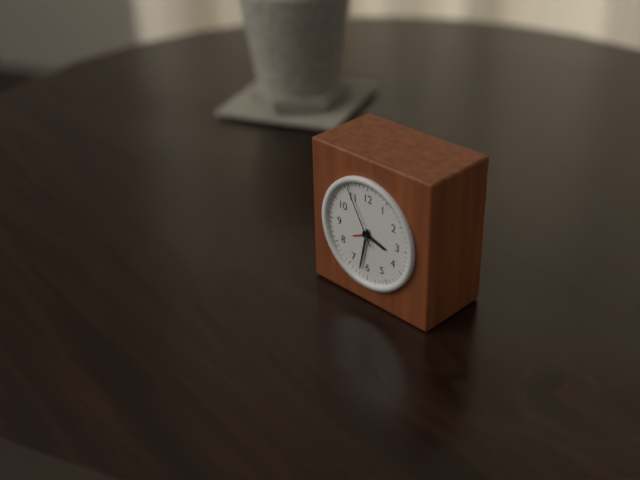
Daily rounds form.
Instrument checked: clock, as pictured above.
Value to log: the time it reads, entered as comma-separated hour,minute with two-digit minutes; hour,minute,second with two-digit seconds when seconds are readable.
3,32,55
